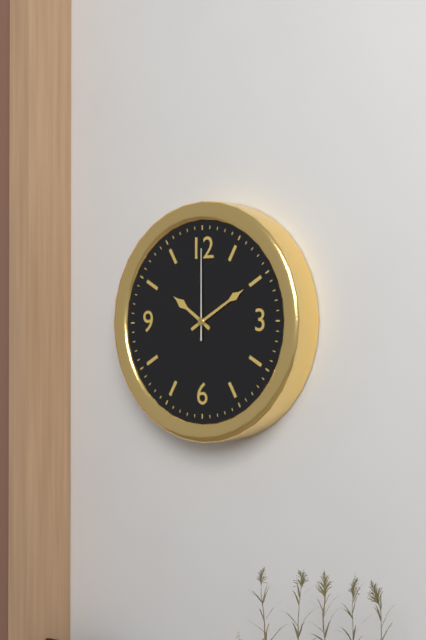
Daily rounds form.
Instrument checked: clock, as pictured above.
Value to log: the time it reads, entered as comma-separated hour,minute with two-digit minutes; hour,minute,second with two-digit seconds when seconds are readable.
10,10,00
